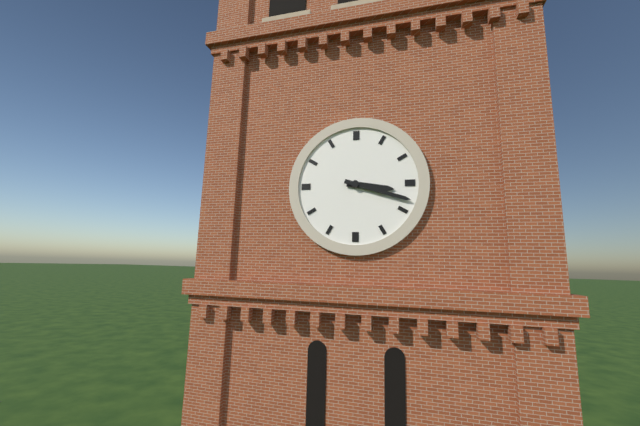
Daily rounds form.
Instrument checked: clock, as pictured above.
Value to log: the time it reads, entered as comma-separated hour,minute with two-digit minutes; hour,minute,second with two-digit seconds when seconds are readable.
3,18
